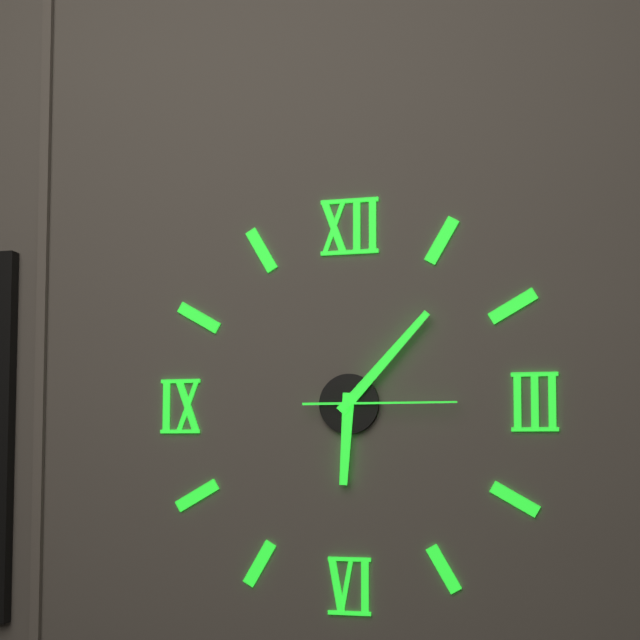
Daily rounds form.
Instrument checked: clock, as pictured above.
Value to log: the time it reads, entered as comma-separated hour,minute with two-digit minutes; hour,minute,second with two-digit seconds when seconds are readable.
6,07,15
